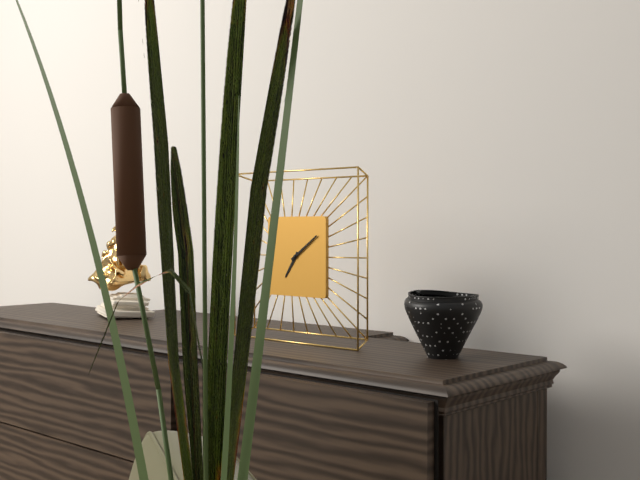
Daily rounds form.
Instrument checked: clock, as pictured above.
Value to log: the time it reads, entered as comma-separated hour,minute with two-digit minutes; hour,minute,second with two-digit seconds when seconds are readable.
7,09
